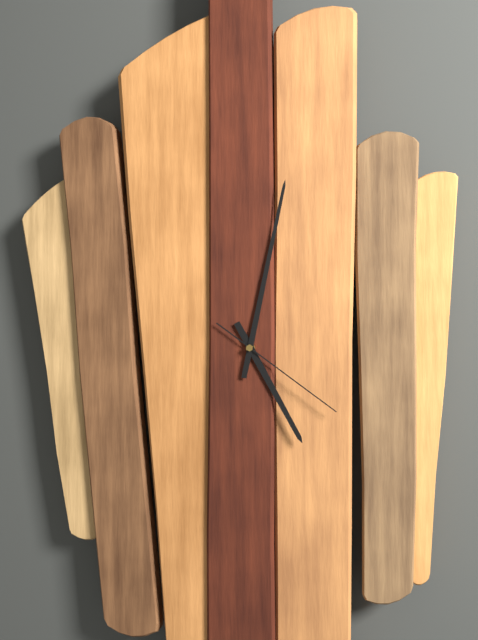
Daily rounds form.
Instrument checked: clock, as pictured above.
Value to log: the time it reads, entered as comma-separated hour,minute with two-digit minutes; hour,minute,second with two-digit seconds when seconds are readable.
5,02,21
